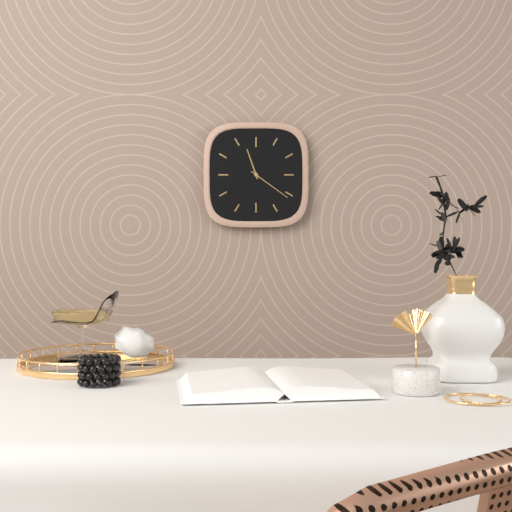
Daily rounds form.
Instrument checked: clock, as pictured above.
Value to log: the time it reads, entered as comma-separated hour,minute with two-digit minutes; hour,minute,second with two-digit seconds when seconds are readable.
11,21
